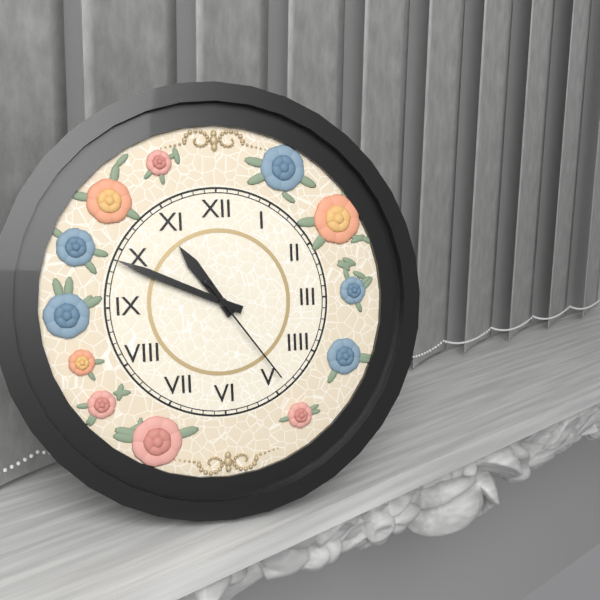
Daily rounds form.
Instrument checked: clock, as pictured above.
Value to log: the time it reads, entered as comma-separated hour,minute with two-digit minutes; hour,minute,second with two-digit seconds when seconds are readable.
10,49,24
